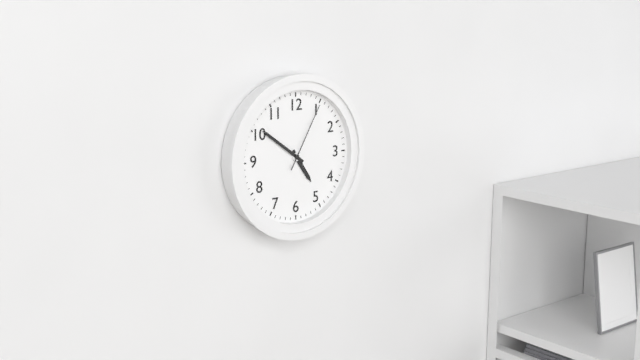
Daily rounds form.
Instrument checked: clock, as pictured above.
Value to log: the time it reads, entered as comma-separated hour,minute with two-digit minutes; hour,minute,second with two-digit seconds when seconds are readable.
4,51,05
